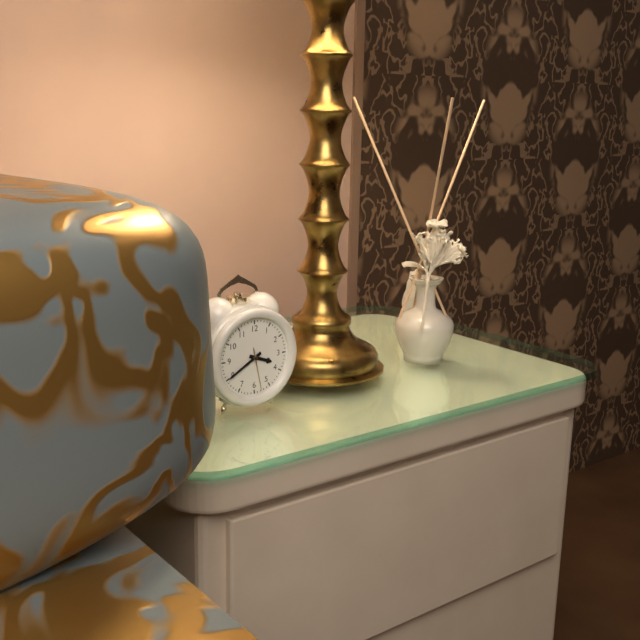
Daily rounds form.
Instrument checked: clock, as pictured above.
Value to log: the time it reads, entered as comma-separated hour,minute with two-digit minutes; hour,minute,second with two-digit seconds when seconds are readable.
3,40
